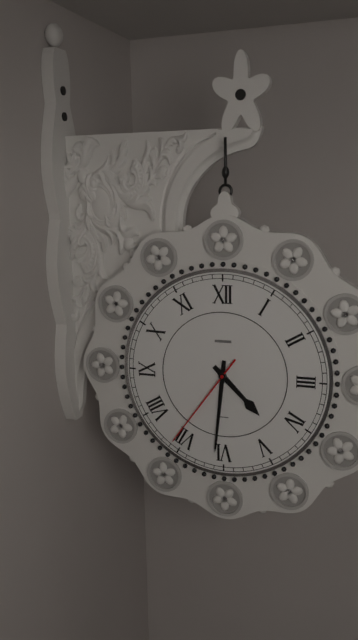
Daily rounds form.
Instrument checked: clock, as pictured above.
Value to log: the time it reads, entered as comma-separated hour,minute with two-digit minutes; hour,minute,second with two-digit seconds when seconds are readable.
4,31,36
